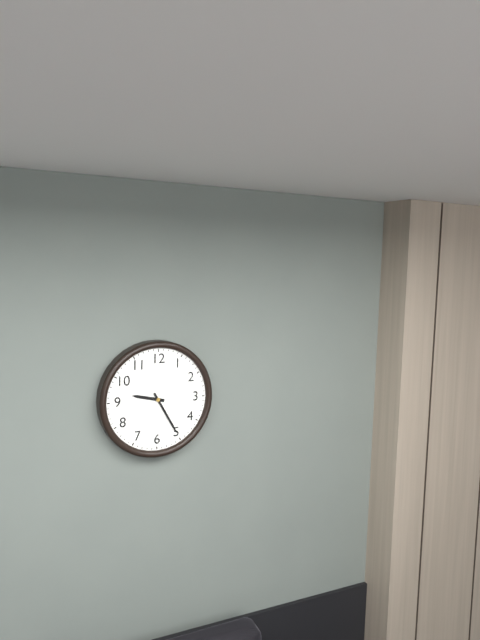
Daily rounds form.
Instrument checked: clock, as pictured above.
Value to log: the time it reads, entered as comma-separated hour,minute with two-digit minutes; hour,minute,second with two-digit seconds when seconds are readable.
9,25
